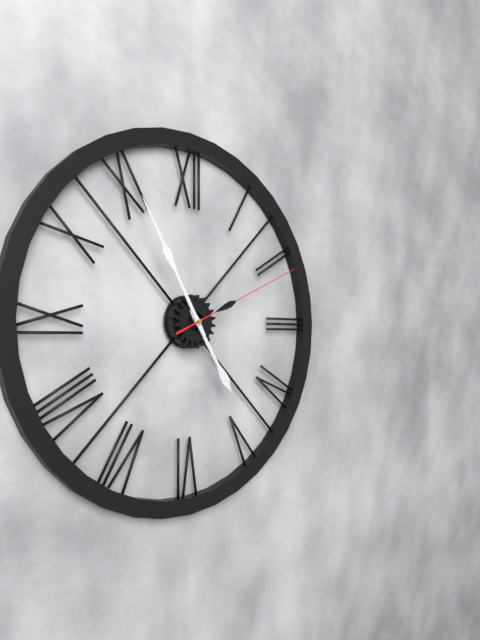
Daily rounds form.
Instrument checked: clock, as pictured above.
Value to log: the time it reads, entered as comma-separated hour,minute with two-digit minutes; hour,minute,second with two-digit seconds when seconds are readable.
4,55,11
